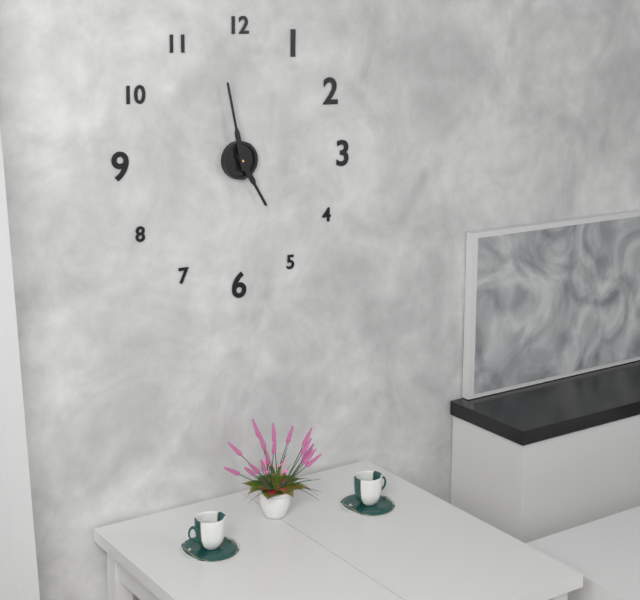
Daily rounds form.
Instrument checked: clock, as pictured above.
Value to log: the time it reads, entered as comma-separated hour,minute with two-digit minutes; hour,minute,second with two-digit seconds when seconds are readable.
4,58
